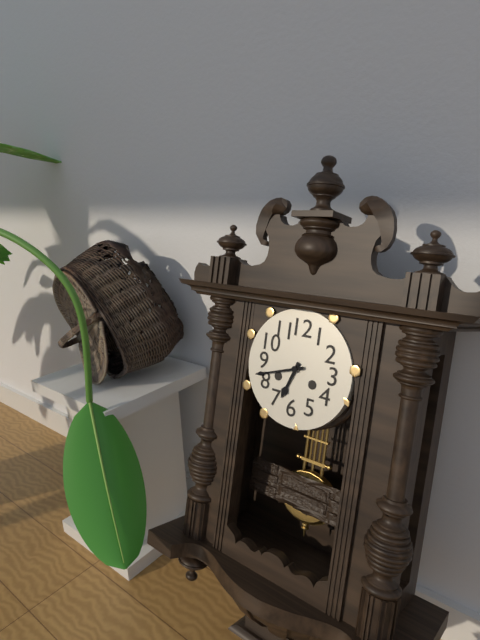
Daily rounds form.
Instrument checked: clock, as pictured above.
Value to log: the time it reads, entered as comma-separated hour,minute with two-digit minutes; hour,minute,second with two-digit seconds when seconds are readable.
6,42
